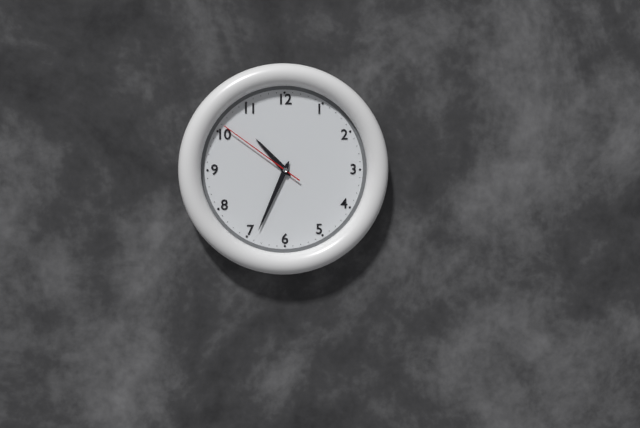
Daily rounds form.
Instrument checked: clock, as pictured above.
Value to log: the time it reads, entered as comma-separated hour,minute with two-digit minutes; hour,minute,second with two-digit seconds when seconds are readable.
10,34,51
